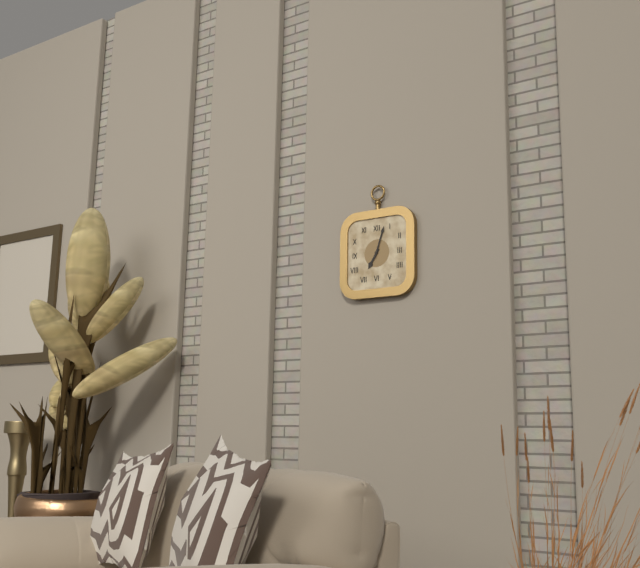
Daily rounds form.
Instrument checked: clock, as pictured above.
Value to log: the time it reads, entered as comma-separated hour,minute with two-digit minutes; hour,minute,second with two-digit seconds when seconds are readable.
7,03
